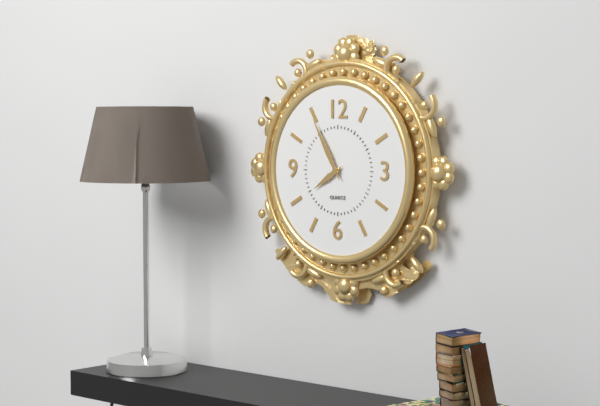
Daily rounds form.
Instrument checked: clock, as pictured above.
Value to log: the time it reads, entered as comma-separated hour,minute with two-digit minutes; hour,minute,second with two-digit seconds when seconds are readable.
7,55
